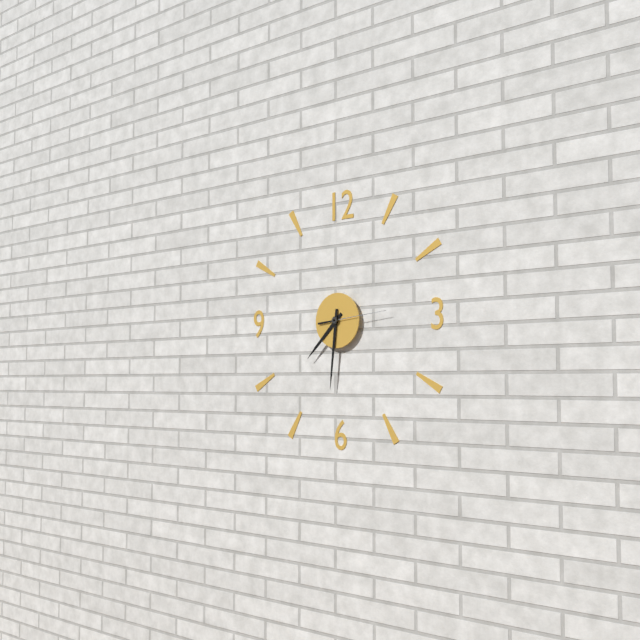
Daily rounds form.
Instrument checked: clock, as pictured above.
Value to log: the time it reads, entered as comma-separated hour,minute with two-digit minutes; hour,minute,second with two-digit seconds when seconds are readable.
7,31,14
